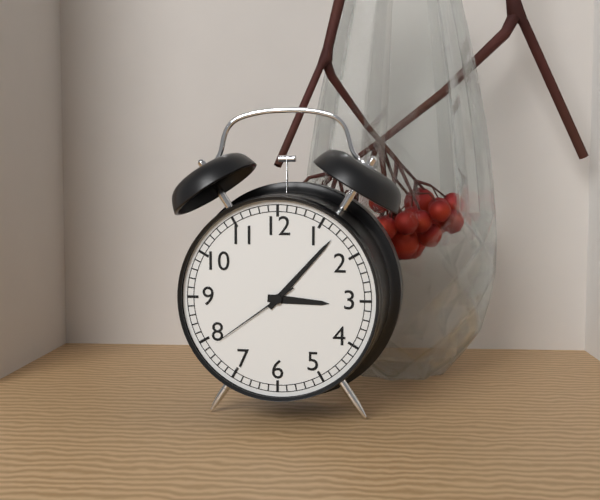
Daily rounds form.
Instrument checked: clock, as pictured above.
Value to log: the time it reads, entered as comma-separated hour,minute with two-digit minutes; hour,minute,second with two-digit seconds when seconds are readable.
3,07,39
